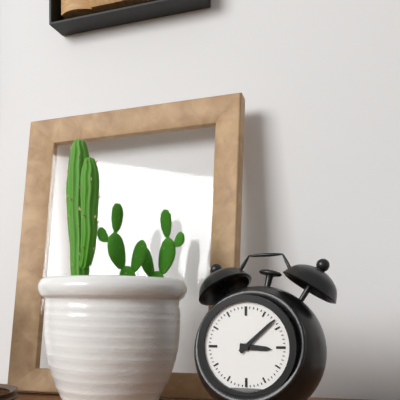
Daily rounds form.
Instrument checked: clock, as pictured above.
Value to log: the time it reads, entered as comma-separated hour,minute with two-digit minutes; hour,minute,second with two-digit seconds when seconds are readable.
3,08
